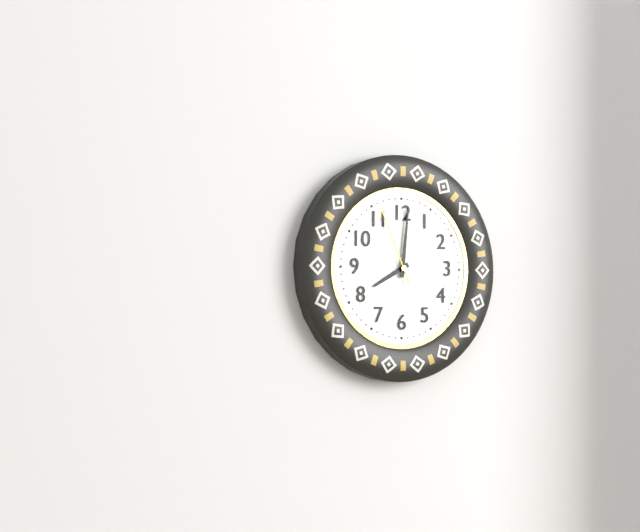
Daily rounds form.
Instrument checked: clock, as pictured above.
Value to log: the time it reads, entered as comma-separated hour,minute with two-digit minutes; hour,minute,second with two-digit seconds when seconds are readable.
8,01,56
